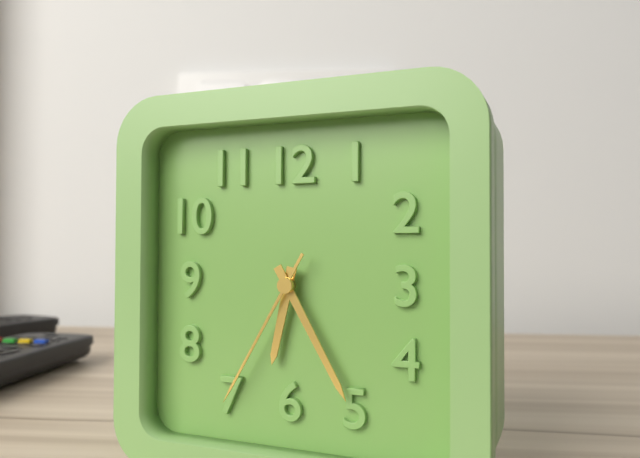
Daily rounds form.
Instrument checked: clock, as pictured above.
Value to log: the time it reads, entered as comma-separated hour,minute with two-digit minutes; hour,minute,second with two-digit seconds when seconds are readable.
6,25,35
